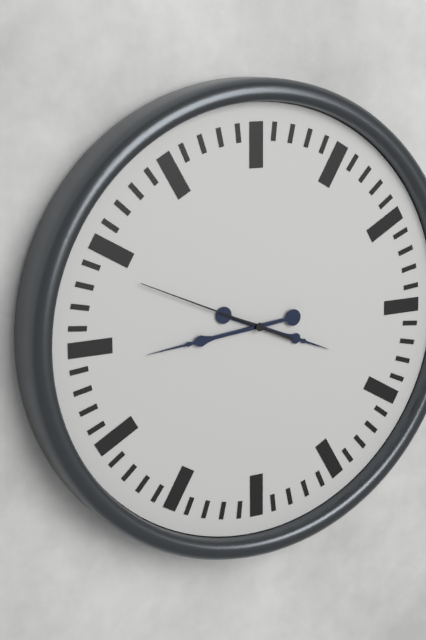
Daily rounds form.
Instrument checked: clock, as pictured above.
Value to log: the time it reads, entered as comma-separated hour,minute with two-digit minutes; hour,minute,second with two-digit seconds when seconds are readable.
3,44,49
